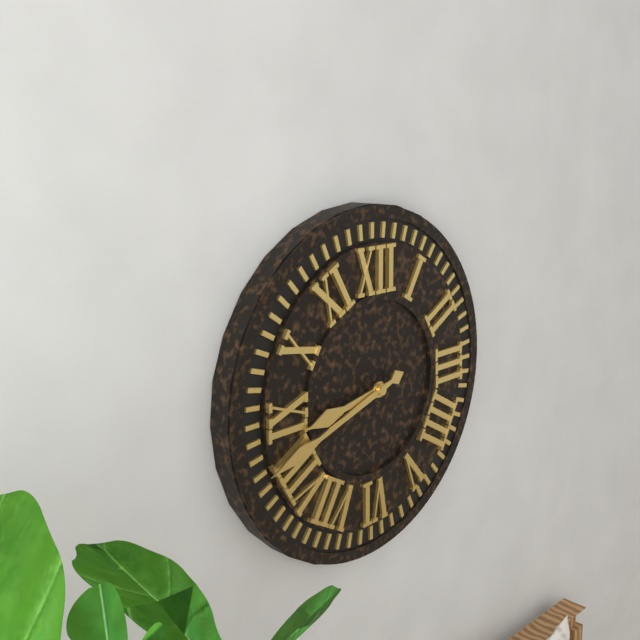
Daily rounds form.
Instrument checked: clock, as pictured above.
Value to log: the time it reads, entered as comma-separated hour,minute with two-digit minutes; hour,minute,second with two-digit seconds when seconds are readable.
8,42
